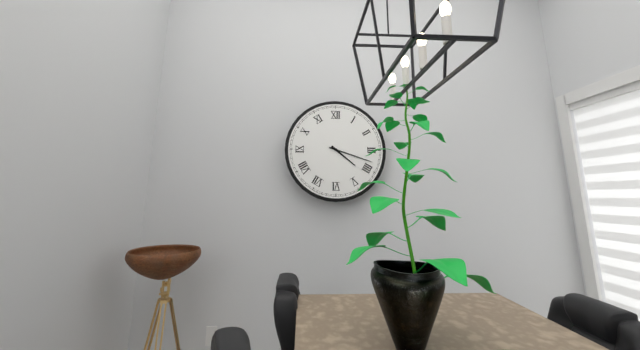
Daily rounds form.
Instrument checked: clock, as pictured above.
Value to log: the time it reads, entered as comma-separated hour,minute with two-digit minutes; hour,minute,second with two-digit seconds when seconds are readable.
4,18
